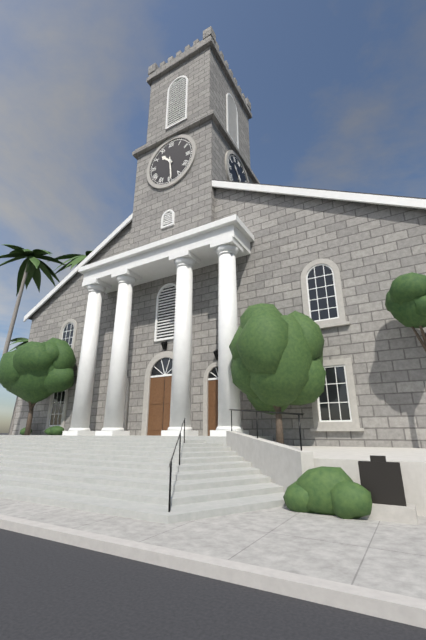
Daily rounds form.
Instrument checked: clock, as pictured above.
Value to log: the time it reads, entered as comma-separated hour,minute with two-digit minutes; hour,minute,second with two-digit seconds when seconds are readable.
10,29
